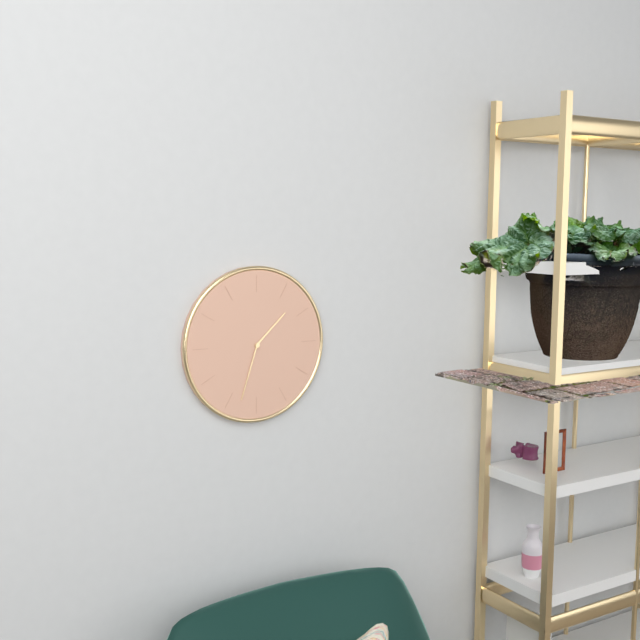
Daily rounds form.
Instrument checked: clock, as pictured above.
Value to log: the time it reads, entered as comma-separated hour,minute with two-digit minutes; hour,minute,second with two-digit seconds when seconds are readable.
1,33
